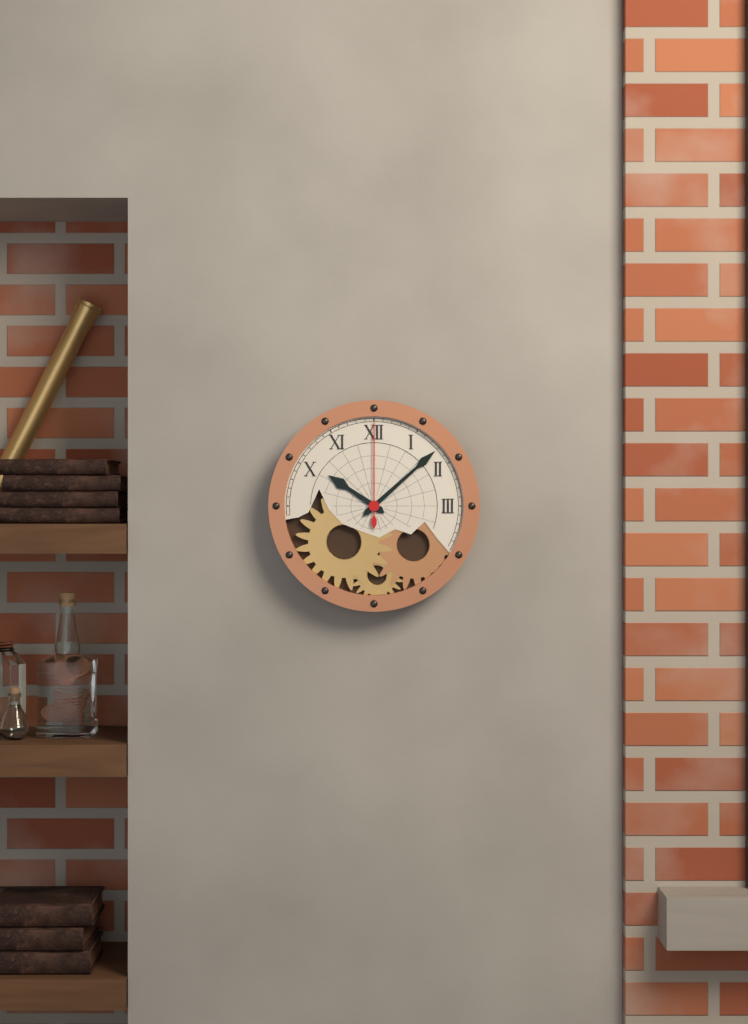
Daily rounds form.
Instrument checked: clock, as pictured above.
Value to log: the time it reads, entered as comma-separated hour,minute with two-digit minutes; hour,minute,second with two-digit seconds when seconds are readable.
10,08,00
